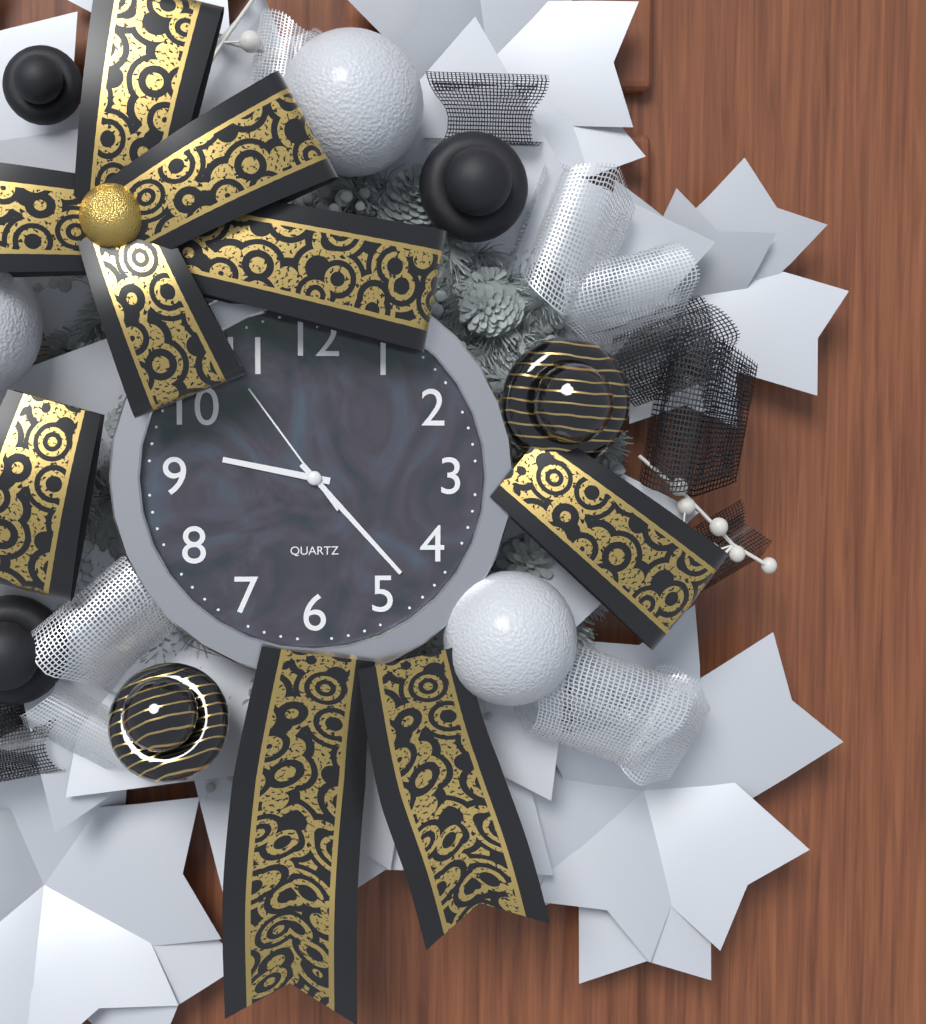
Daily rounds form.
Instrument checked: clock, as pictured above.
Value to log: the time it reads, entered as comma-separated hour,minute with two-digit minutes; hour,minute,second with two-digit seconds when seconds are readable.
9,23,54
